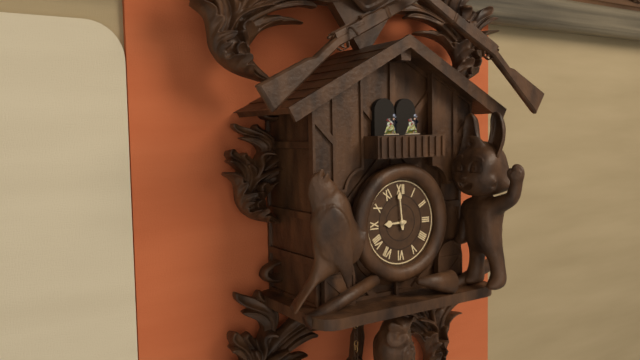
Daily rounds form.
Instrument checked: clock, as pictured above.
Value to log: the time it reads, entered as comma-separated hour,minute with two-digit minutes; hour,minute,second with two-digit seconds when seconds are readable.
8,59
